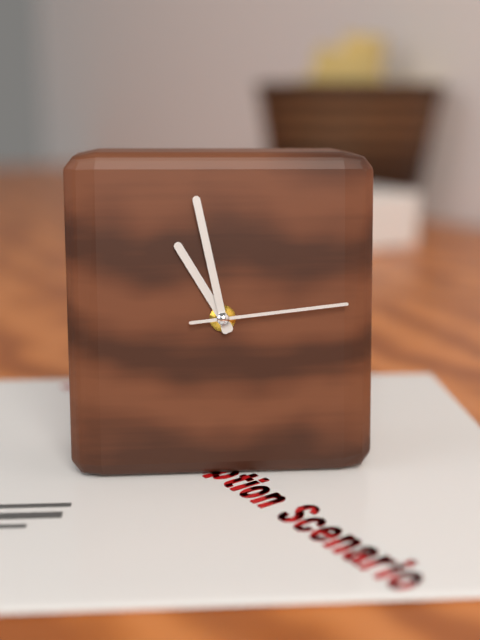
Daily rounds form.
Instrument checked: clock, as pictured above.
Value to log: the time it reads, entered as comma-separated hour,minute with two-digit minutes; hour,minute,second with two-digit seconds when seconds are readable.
10,58,14
